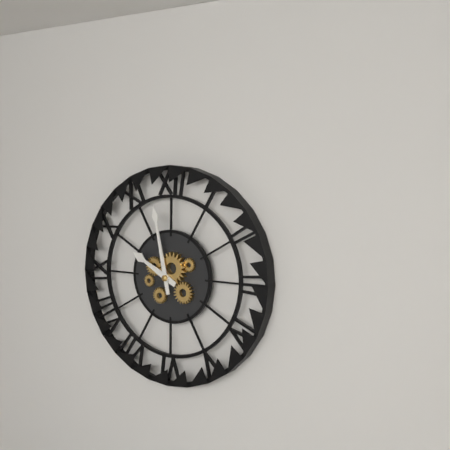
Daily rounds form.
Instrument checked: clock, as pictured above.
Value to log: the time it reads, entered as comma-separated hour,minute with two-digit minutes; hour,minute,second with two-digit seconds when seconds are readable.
9,58
